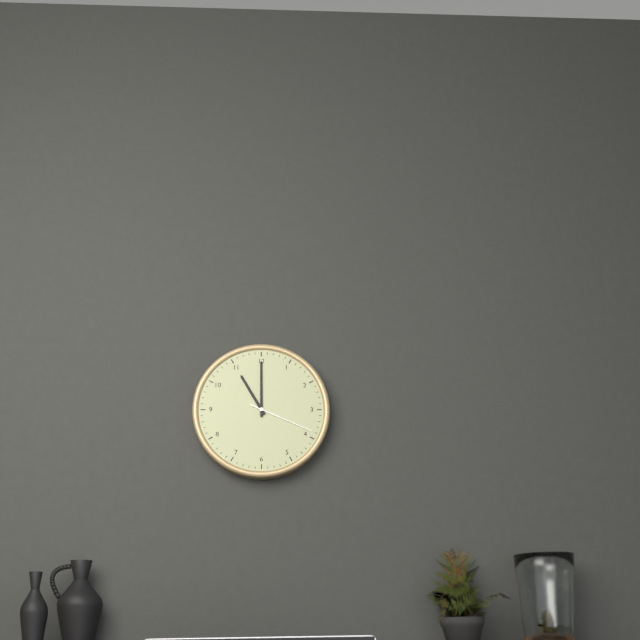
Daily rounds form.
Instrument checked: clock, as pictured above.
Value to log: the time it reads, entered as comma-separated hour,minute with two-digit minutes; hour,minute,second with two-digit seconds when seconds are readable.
11,00,19
